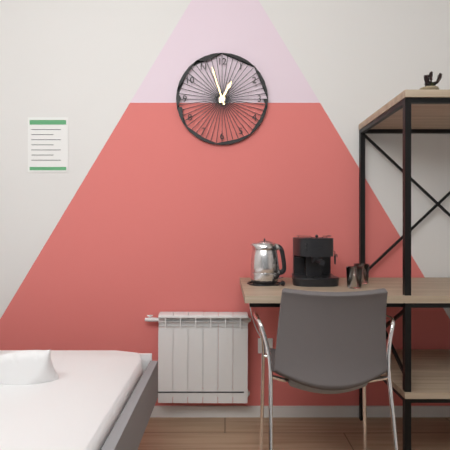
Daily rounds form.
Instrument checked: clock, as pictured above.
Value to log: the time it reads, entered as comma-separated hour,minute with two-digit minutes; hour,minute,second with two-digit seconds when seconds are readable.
12,57
